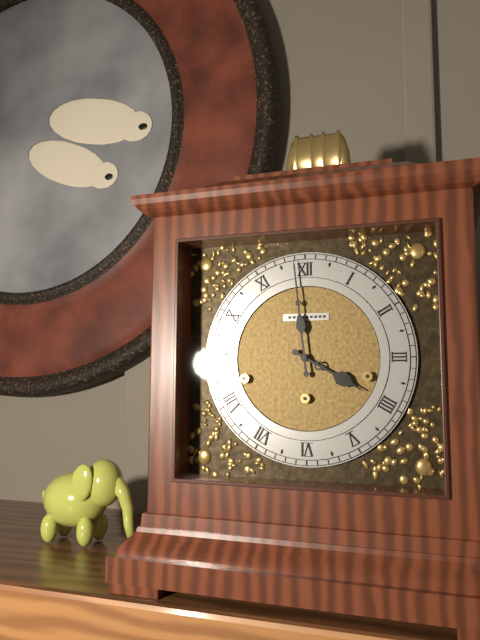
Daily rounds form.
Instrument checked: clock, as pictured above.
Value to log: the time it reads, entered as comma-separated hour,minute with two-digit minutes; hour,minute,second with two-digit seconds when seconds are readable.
3,59
